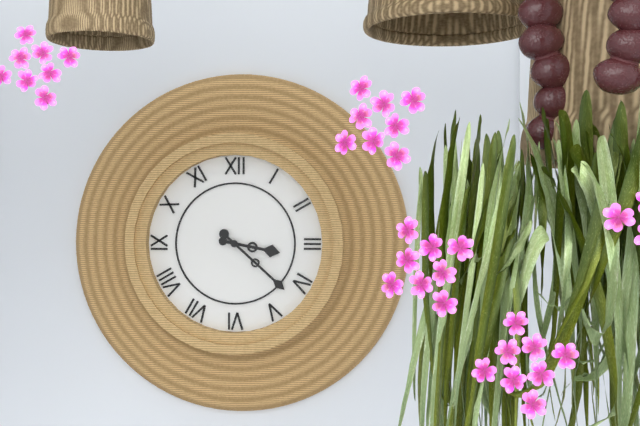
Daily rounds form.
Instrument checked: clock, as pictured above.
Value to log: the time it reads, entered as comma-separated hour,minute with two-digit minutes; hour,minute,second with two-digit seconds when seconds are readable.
3,22
